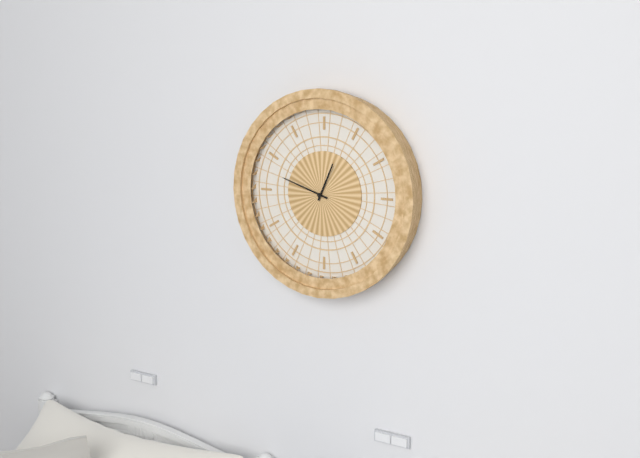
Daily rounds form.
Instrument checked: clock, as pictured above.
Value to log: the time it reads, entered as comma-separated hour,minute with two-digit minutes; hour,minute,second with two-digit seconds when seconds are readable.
12,48
